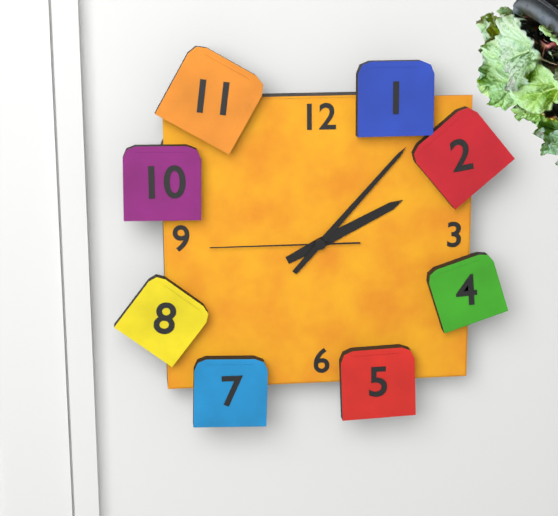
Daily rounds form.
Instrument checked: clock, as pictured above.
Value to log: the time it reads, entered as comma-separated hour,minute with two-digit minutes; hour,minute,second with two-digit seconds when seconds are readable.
2,07,45
